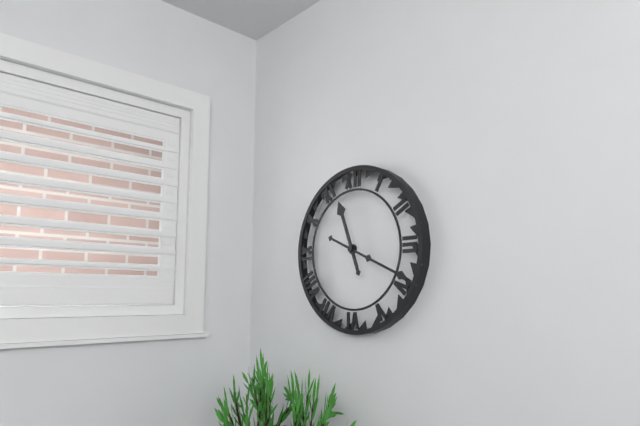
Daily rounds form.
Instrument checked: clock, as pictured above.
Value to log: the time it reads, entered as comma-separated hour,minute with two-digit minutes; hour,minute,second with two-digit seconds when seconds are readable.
11,19
